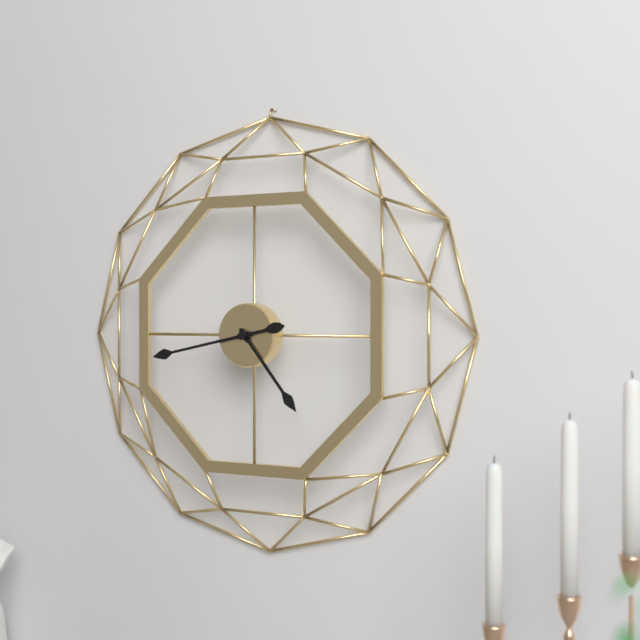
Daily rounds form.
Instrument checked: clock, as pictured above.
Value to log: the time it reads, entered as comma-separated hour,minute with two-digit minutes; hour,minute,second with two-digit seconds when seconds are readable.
4,43
